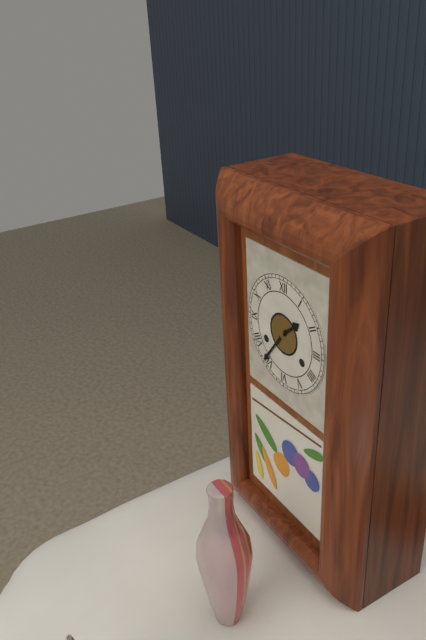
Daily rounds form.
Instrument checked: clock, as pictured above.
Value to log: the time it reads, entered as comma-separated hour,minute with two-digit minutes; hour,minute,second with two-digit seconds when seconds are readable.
1,36
